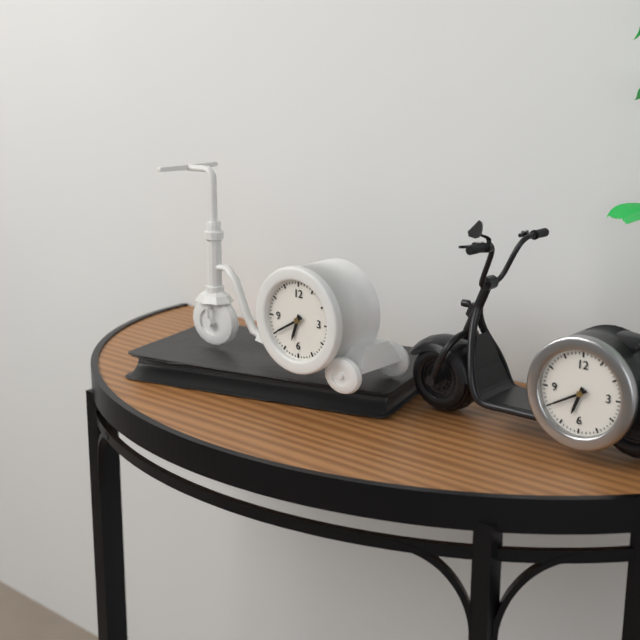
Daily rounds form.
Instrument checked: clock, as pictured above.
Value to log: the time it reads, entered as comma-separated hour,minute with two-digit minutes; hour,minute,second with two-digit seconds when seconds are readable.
6,40
